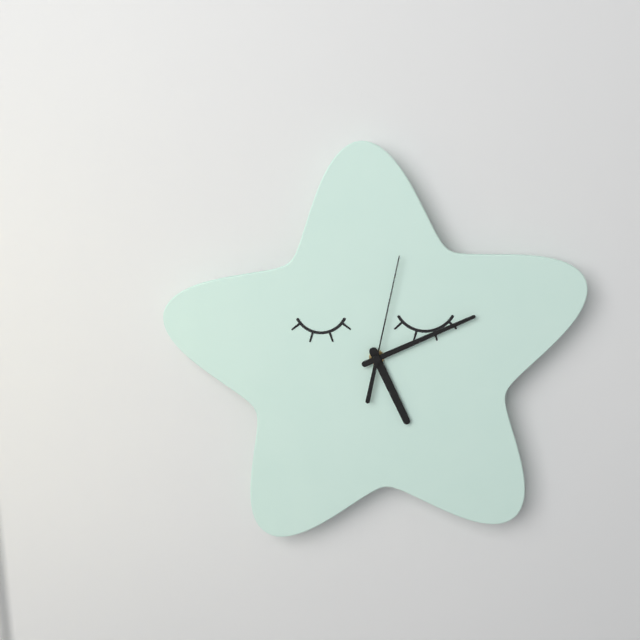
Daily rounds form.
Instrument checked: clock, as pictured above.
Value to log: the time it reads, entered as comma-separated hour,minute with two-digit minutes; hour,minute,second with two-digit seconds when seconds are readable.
5,11,02
